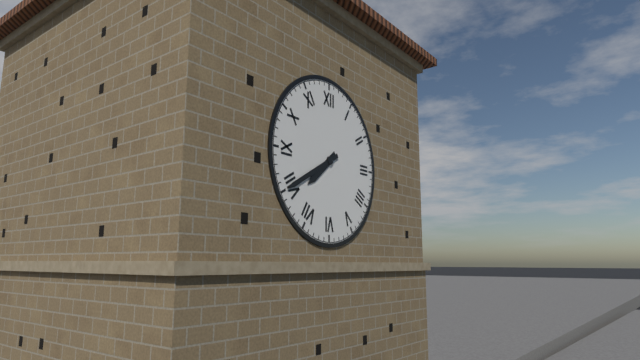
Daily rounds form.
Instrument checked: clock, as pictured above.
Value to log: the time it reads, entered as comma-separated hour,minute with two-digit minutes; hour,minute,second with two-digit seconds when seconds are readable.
7,40
